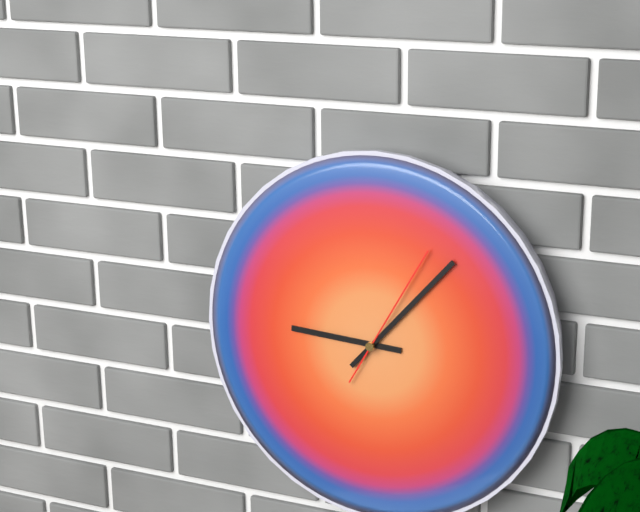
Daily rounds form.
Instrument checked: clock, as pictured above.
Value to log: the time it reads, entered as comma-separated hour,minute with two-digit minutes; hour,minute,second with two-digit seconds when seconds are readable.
9,07,05
